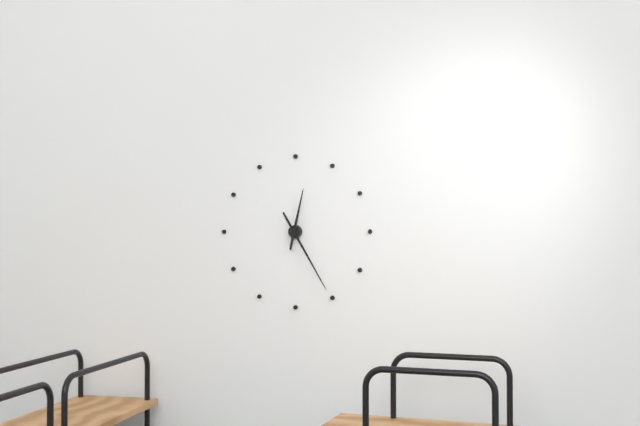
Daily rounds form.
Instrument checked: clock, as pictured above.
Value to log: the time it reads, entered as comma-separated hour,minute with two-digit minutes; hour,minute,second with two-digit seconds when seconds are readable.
12,25
